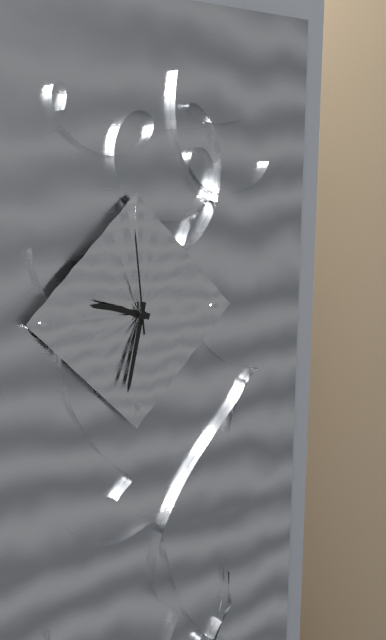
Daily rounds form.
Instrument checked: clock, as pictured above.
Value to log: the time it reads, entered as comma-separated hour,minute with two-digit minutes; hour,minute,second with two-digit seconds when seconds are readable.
9,32,59
